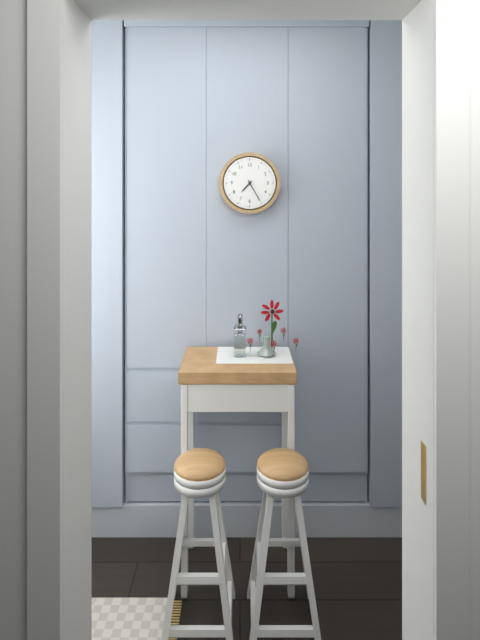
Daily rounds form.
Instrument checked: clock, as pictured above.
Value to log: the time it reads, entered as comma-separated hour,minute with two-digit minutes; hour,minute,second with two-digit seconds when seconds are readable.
7,25
